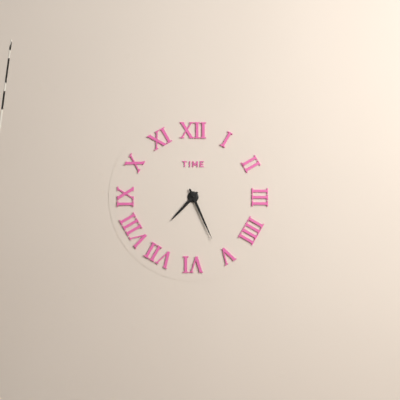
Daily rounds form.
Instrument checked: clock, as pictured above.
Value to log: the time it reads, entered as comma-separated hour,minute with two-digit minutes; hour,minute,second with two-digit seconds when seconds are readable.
7,26
